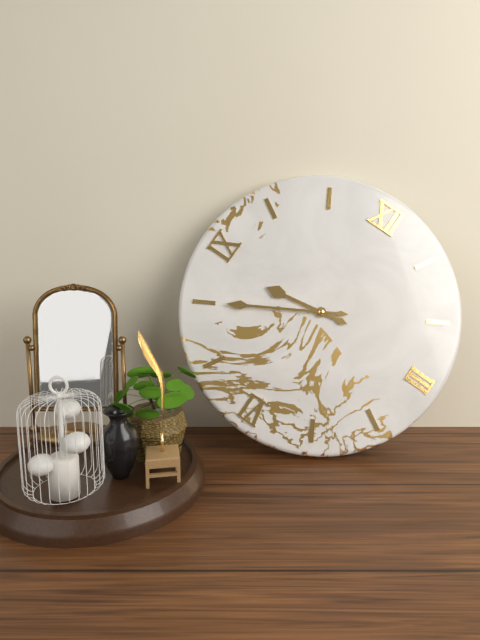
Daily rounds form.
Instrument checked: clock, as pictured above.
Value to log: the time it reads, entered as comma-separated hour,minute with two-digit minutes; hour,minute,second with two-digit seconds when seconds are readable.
8,40
